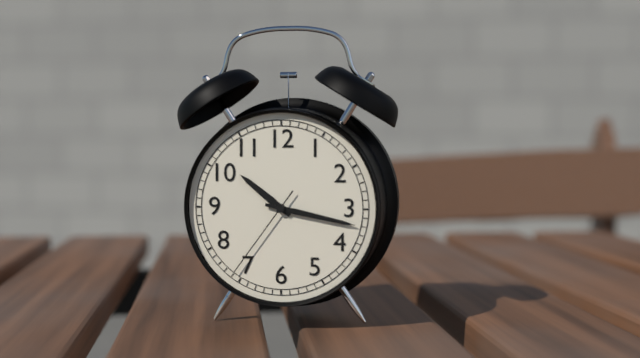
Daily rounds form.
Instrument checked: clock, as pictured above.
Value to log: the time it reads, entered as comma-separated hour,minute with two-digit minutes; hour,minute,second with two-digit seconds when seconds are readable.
10,17,36
